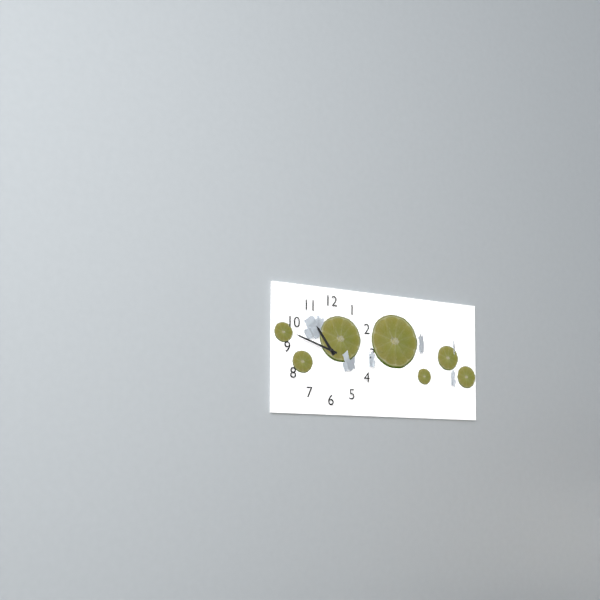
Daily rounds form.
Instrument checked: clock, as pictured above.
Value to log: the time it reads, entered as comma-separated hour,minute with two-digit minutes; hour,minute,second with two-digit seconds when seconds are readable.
10,48
